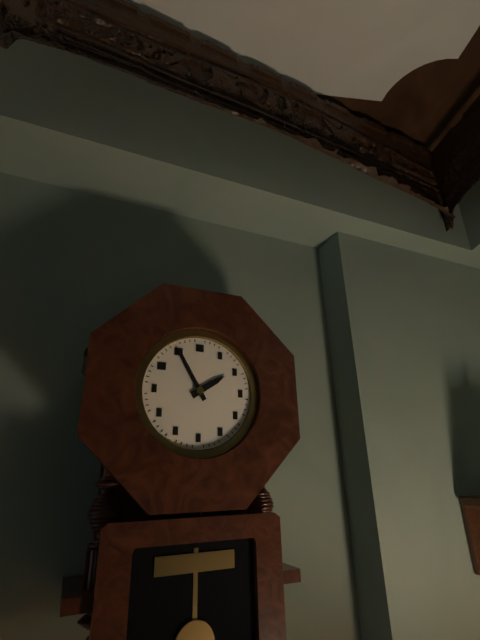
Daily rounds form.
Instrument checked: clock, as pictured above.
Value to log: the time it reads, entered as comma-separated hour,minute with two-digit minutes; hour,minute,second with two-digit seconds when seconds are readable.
1,55
